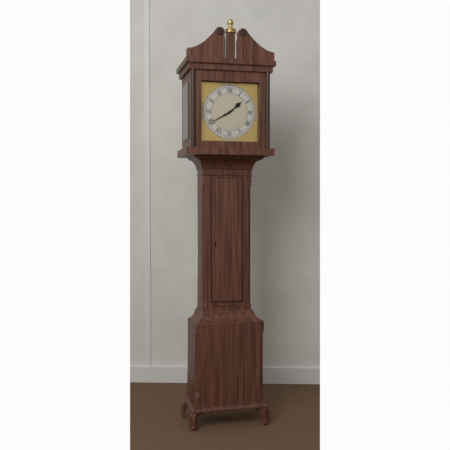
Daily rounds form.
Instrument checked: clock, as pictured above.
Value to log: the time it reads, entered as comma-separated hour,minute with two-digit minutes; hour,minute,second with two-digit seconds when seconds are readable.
1,40
